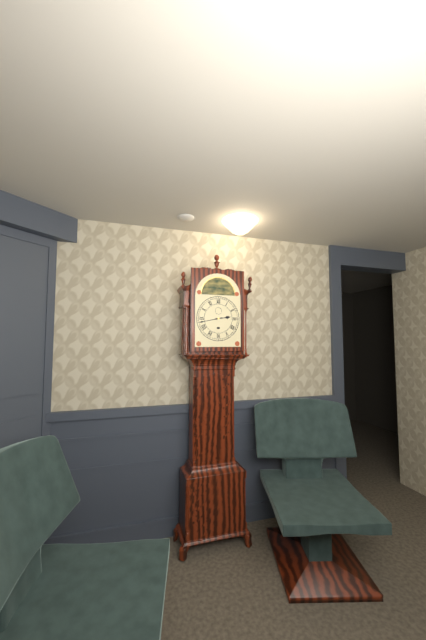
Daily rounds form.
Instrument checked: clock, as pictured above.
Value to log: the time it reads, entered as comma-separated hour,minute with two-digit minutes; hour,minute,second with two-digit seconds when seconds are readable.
2,43
